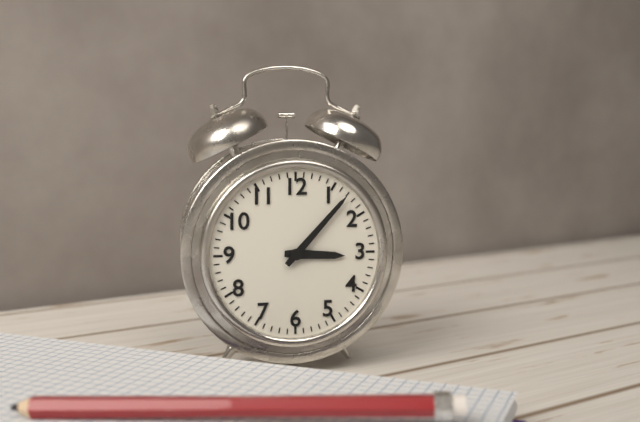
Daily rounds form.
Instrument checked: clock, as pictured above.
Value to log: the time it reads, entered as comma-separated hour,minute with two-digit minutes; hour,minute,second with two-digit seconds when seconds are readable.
3,07
